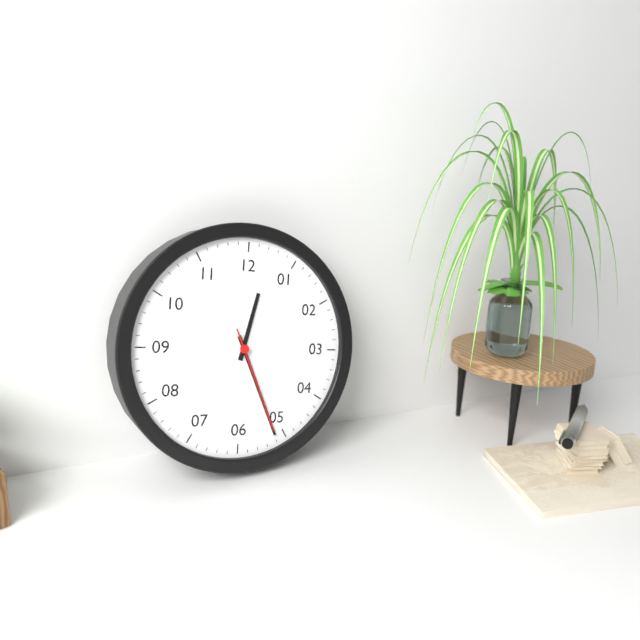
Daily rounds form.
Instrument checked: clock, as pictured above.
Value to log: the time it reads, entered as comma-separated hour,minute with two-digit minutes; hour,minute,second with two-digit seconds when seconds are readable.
12,26,26
